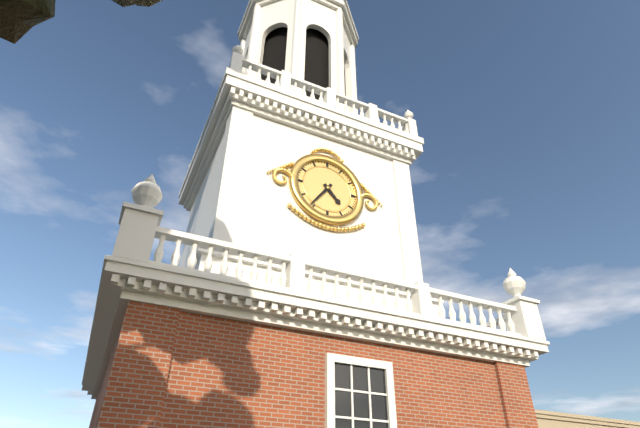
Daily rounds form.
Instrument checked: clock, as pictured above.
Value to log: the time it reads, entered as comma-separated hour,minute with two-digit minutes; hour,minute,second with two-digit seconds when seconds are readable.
4,36
